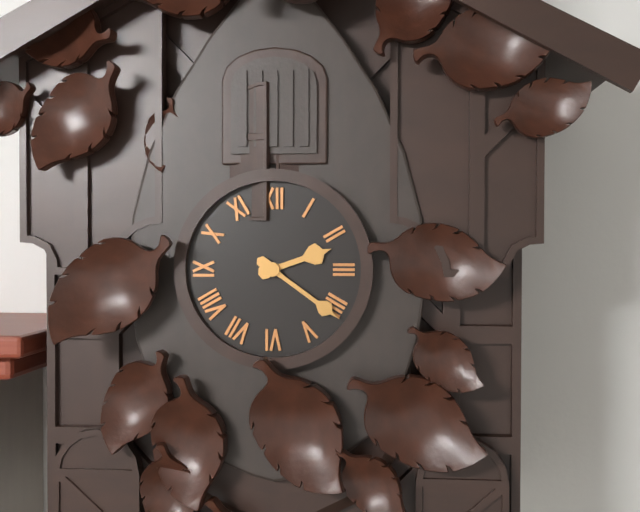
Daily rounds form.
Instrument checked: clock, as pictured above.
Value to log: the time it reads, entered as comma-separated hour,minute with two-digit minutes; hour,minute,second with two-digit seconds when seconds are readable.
2,21
